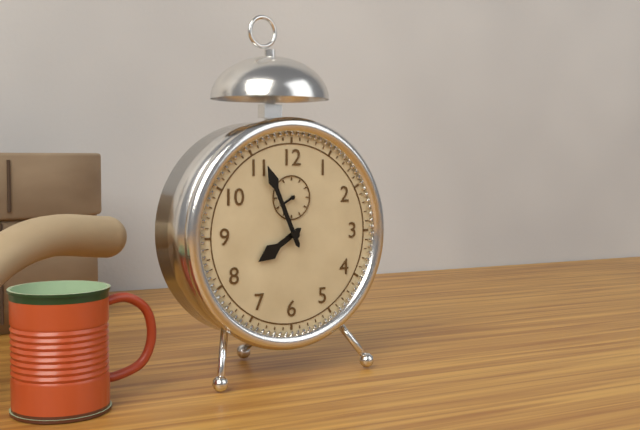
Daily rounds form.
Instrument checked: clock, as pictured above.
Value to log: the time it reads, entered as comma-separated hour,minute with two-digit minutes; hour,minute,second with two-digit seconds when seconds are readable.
7,56
